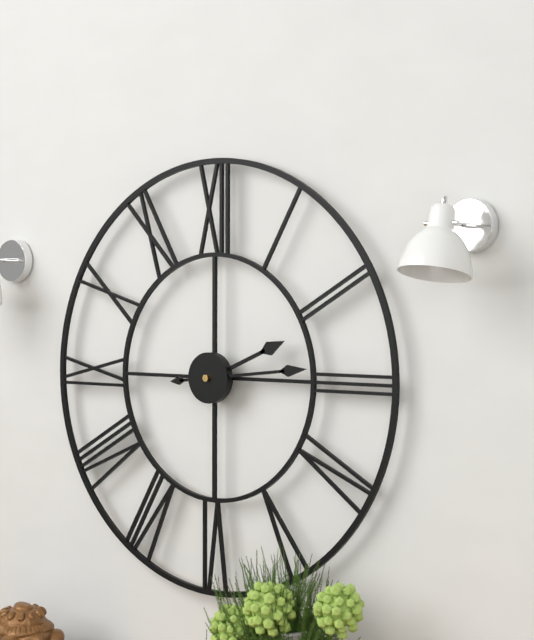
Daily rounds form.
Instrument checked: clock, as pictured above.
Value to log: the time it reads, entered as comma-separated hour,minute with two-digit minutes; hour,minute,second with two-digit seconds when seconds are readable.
2,14
